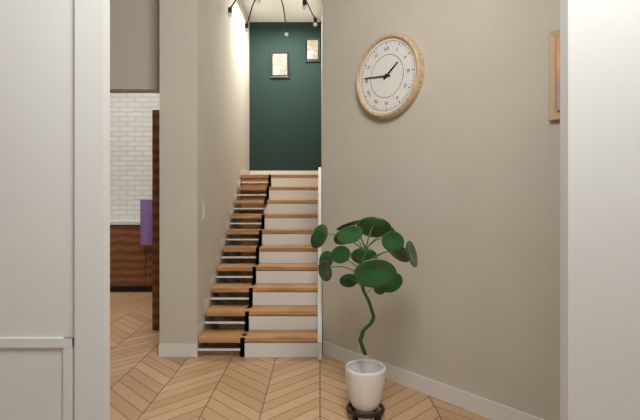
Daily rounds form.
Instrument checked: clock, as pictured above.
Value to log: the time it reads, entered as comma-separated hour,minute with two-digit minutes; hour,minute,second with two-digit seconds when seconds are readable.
1,46
